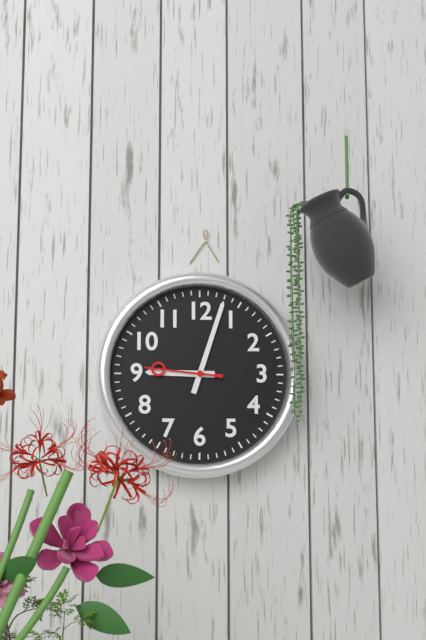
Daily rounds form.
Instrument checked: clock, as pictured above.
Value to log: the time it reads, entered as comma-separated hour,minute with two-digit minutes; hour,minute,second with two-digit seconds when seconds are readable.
9,03,46
